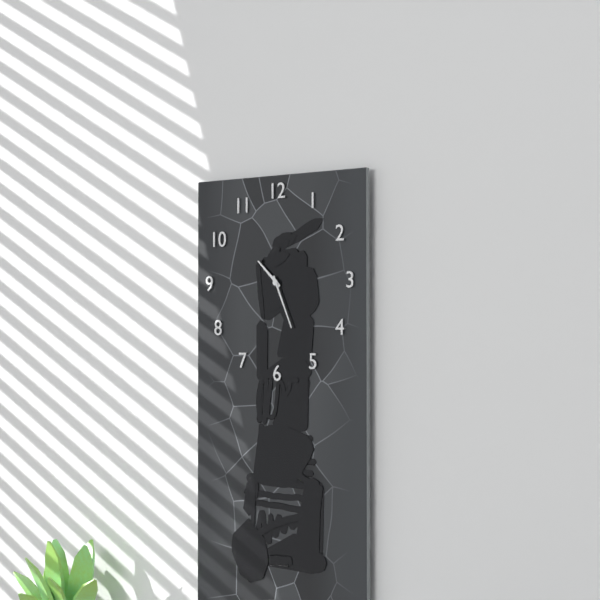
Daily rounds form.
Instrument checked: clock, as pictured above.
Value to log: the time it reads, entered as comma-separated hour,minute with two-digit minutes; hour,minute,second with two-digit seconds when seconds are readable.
10,26
